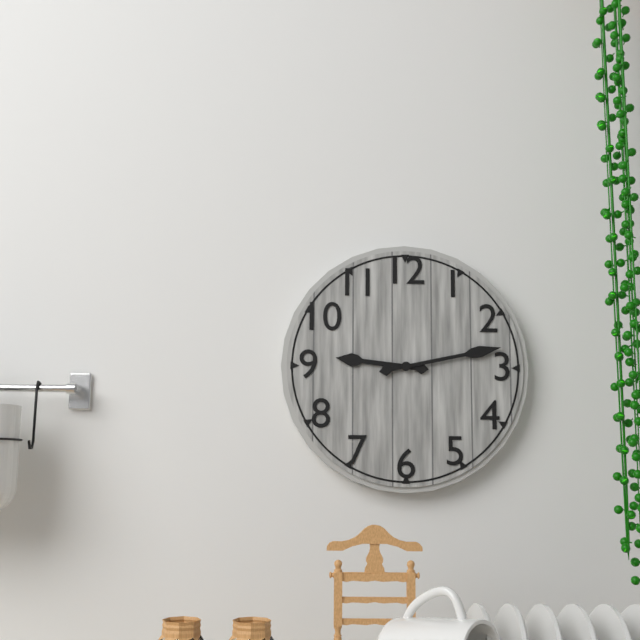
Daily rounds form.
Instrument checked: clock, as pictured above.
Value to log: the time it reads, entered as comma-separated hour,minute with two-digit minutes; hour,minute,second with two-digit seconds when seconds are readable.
9,13
